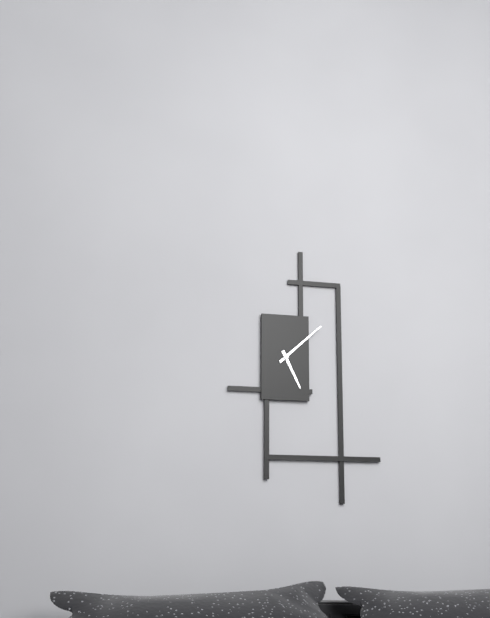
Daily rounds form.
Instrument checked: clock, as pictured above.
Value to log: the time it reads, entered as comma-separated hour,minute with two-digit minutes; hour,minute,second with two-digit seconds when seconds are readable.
5,08
